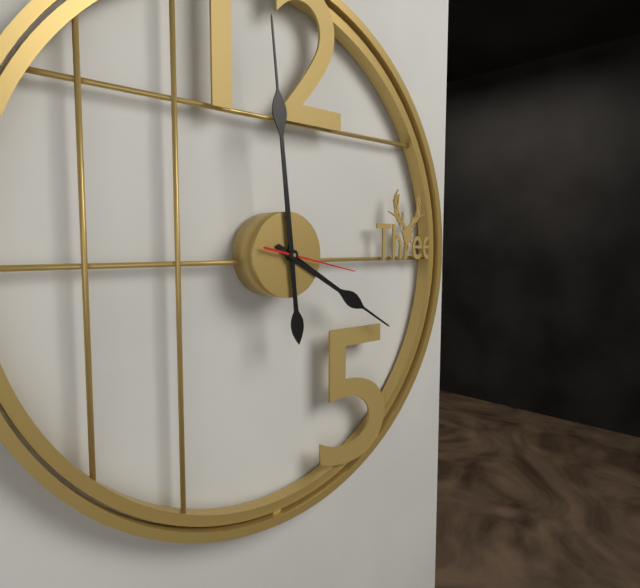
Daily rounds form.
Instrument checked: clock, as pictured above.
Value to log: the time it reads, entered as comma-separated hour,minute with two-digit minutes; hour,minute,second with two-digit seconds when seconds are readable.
3,59,17
